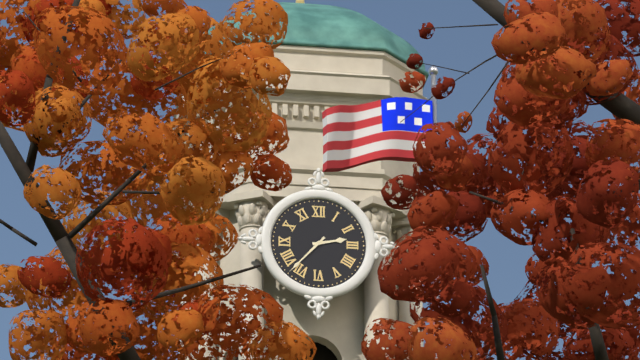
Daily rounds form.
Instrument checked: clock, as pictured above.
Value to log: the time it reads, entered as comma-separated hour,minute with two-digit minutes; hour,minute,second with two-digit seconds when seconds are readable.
2,37
